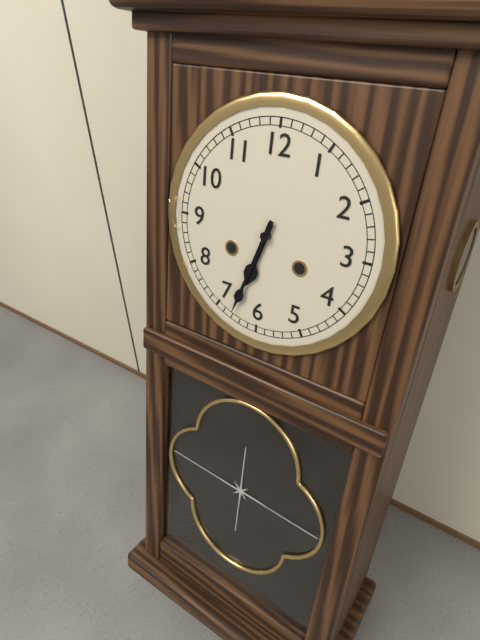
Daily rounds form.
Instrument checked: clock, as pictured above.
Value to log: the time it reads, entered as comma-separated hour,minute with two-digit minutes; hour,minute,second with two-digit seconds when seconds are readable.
6,33
